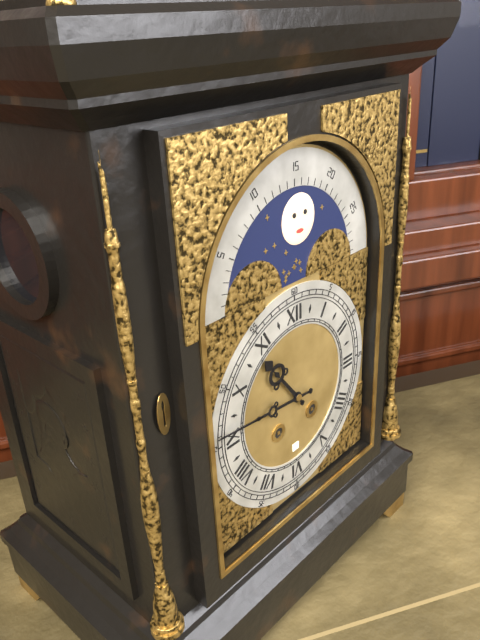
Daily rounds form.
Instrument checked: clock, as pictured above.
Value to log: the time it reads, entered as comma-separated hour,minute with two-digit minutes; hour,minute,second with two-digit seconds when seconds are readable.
10,46
